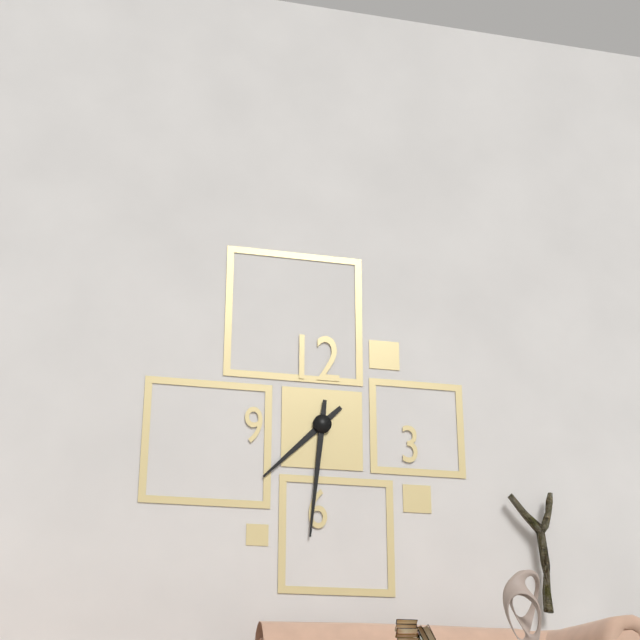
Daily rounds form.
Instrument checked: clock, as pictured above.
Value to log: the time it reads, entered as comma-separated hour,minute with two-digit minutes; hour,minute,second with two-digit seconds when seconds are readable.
7,31
